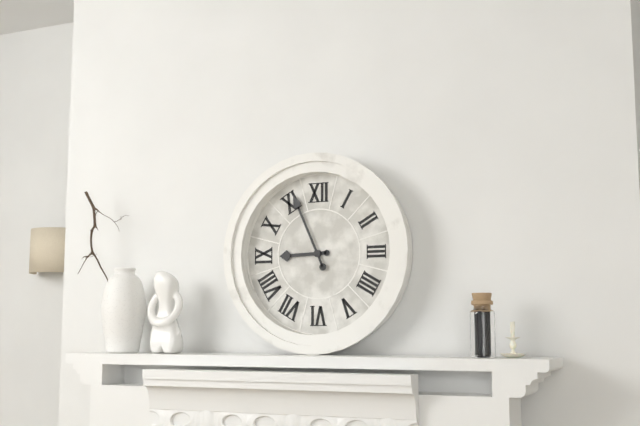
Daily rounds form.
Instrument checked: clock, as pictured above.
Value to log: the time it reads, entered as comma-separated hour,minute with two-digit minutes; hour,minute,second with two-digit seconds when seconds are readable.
8,56
